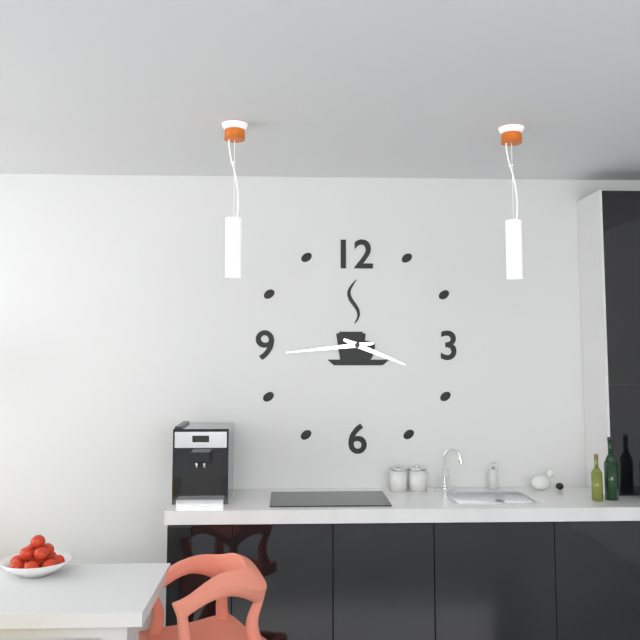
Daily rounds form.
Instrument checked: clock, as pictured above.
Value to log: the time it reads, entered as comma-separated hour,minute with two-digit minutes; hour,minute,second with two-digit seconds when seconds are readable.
3,44
